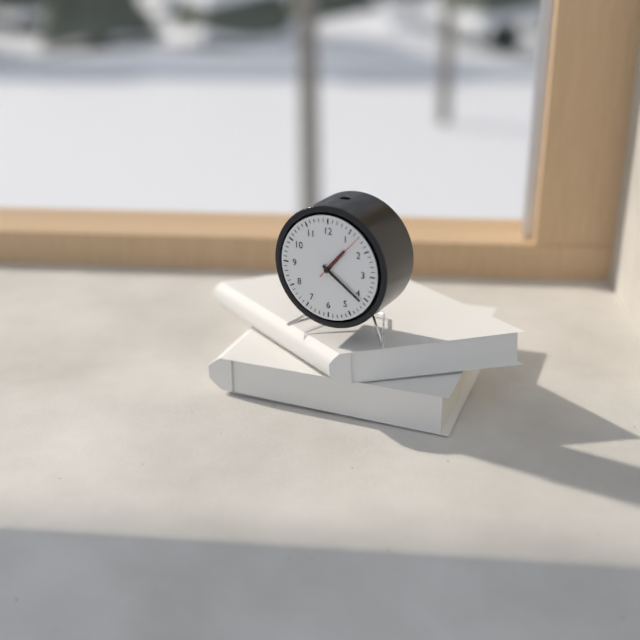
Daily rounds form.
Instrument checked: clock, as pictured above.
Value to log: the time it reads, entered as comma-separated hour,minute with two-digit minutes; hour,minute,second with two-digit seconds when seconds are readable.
1,21
